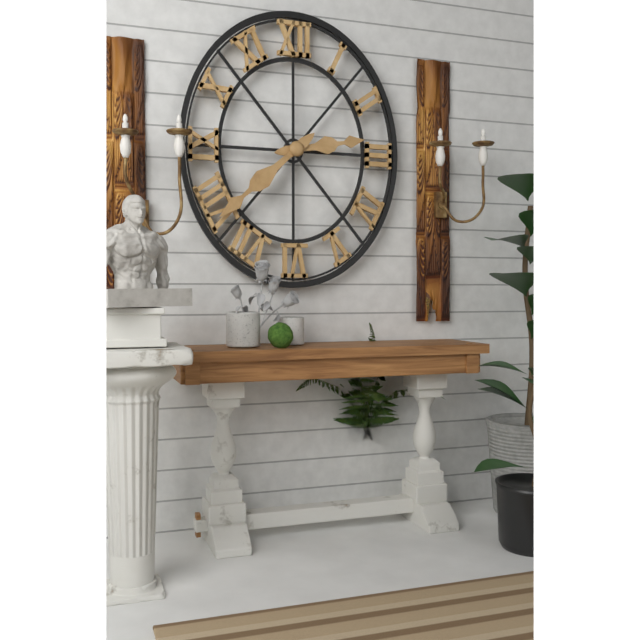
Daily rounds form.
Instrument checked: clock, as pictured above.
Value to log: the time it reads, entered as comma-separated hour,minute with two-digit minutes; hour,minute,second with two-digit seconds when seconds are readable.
2,38
